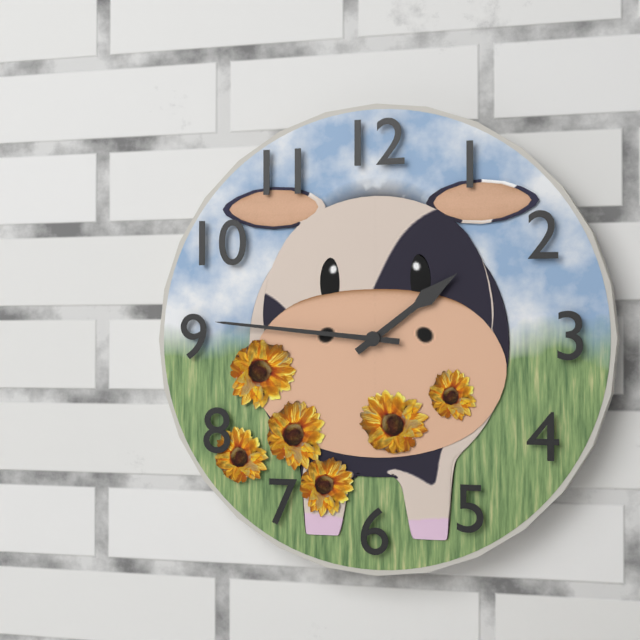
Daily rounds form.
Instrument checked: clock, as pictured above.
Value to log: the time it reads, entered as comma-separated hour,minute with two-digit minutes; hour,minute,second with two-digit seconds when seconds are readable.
1,46
